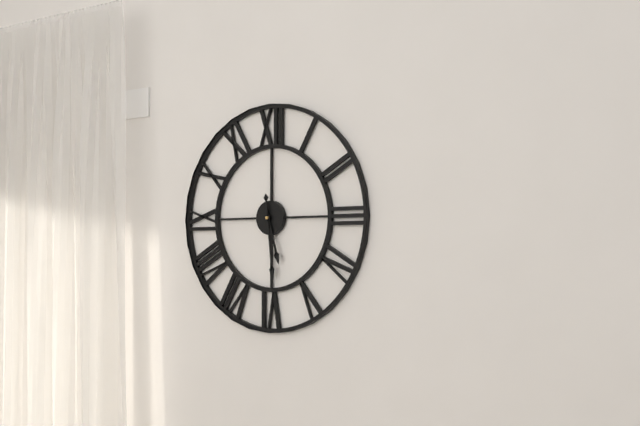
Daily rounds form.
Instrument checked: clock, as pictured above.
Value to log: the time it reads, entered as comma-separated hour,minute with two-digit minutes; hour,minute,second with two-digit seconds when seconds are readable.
5,29
